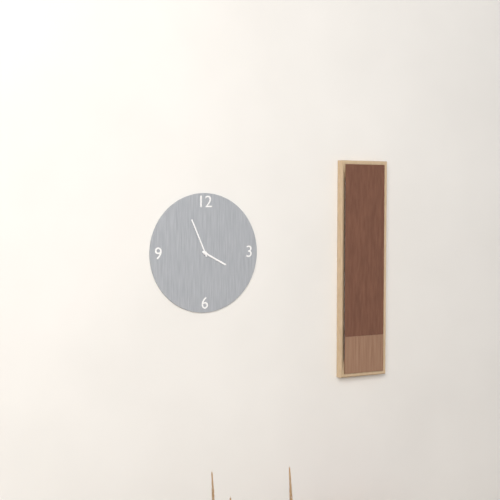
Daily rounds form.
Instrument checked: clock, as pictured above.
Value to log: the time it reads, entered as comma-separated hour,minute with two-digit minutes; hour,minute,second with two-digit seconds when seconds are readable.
3,56
